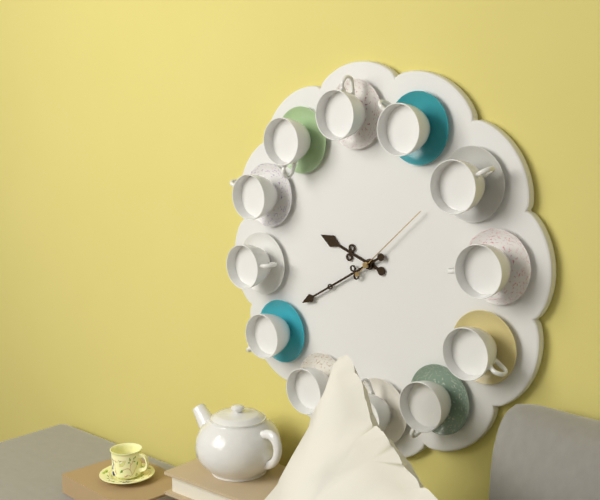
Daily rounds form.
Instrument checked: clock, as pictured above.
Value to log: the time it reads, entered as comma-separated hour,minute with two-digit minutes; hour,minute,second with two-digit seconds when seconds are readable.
9,40,08
